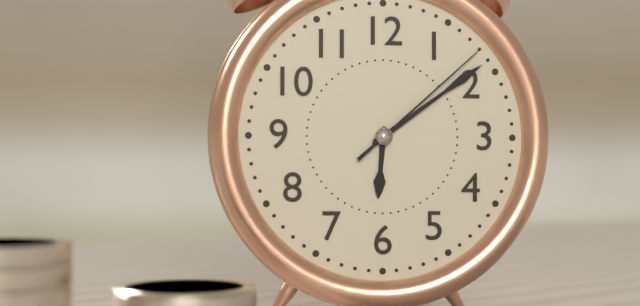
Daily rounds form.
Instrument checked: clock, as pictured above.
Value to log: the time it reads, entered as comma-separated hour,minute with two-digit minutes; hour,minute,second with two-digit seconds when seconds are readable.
6,09,08
